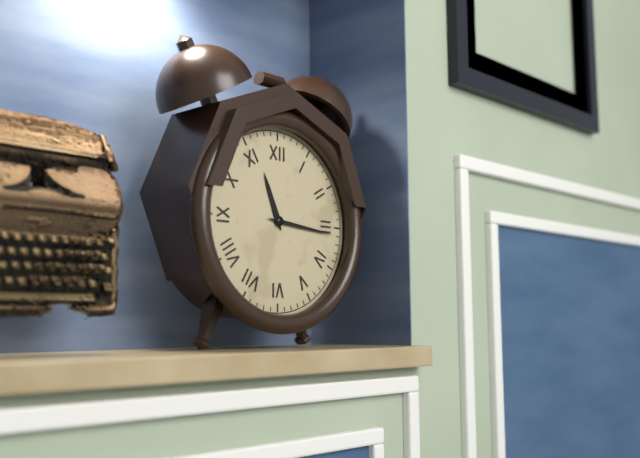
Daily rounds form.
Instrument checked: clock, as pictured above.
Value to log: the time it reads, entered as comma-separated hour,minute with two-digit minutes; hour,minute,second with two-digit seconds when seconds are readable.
11,16
